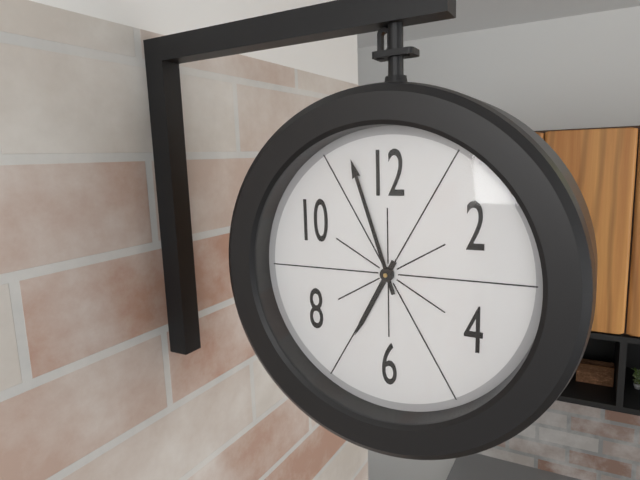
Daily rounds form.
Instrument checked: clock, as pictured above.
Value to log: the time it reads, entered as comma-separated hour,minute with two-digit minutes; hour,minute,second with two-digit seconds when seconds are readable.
6,57
